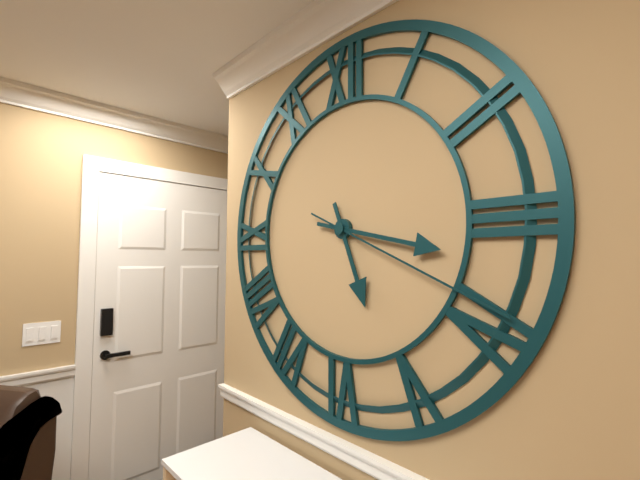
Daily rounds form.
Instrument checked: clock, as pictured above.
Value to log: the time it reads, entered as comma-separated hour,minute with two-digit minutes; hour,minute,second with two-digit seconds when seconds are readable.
5,17,19
